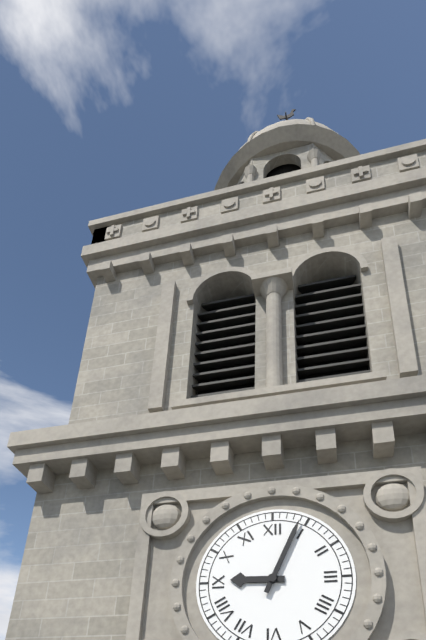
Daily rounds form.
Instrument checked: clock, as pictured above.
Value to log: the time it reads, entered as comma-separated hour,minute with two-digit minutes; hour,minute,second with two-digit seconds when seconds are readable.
9,04
